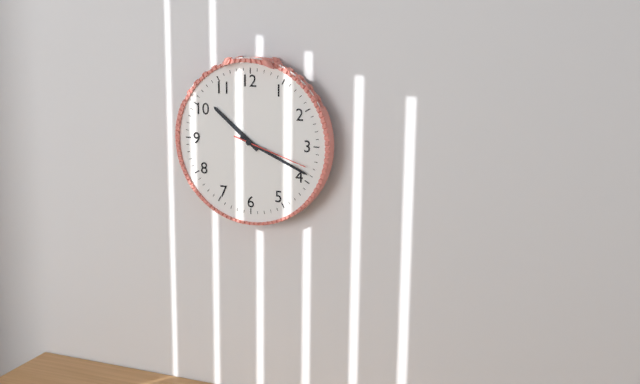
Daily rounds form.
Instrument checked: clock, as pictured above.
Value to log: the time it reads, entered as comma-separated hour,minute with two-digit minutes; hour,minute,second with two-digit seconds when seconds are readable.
10,19,18
